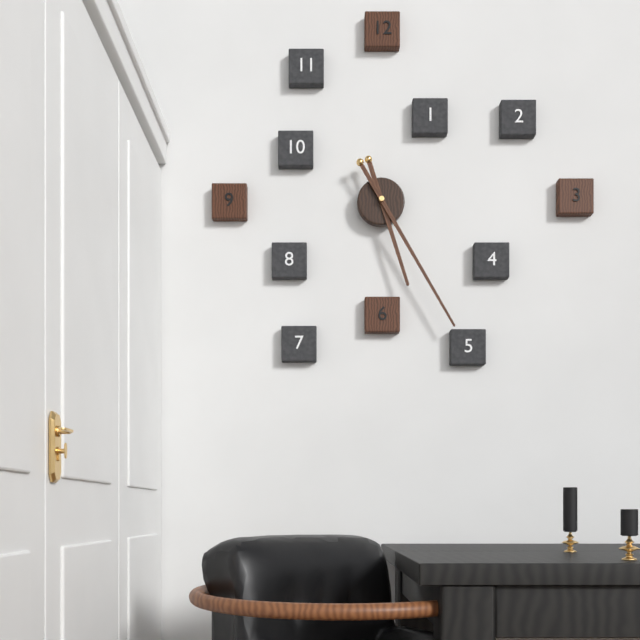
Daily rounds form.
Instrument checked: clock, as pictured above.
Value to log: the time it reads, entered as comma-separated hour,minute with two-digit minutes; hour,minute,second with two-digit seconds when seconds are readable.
5,25
